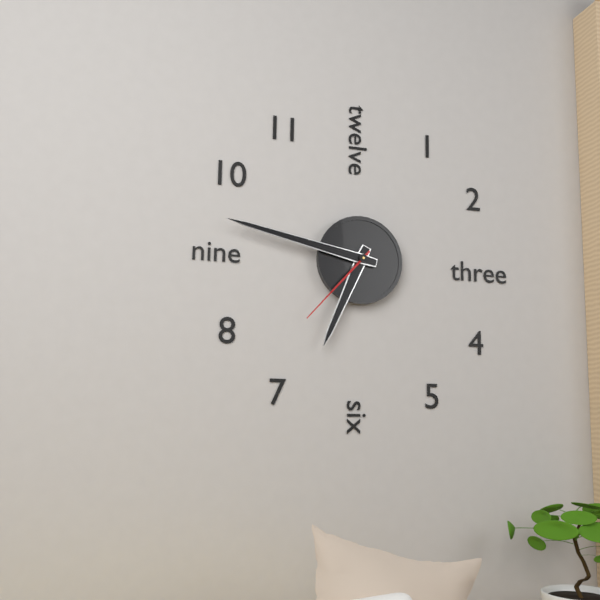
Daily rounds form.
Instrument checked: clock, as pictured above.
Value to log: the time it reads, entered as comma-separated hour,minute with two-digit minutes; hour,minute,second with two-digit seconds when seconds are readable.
6,47,37
